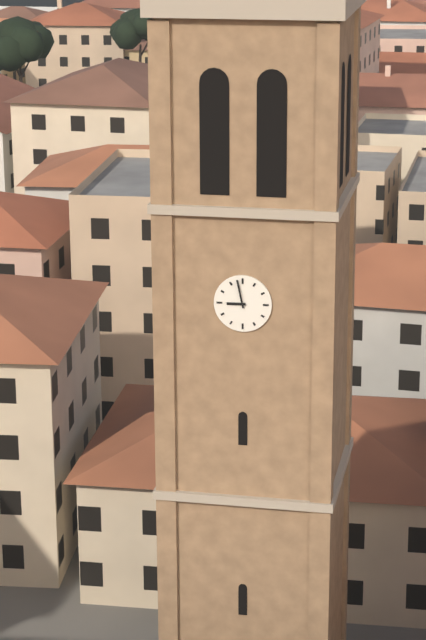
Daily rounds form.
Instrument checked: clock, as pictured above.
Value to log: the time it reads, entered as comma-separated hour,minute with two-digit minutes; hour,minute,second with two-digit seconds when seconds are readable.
8,58
